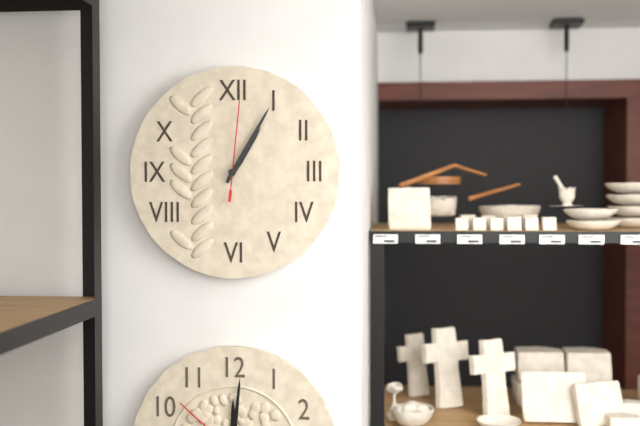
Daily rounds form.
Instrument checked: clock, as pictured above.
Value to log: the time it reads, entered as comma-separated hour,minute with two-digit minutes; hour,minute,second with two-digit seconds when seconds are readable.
1,05,01
